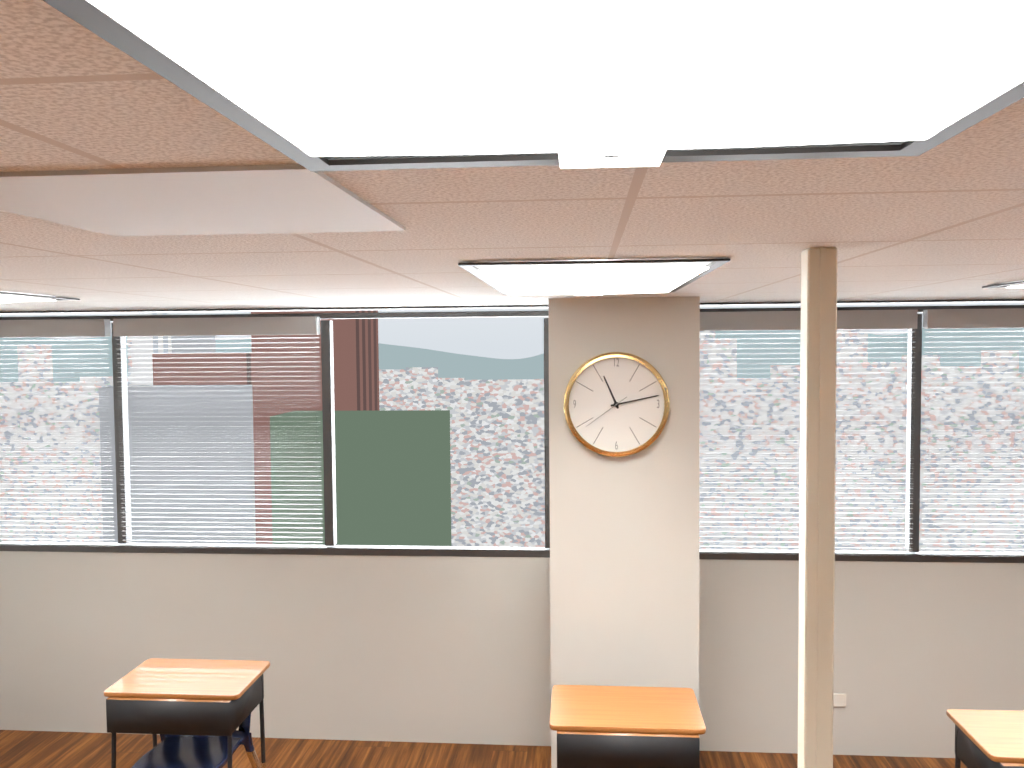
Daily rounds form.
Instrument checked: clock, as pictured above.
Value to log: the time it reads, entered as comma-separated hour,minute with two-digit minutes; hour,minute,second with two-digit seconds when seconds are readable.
11,13
